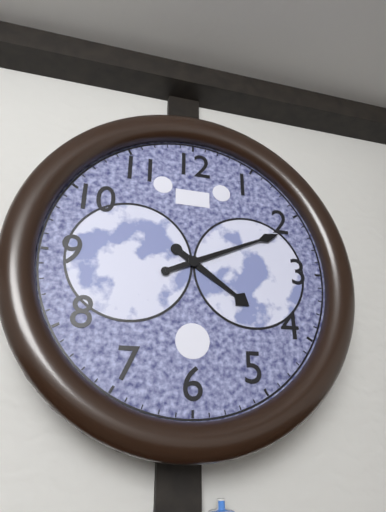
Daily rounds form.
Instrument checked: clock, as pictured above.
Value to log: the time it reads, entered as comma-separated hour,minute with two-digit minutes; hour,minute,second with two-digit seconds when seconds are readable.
4,11
